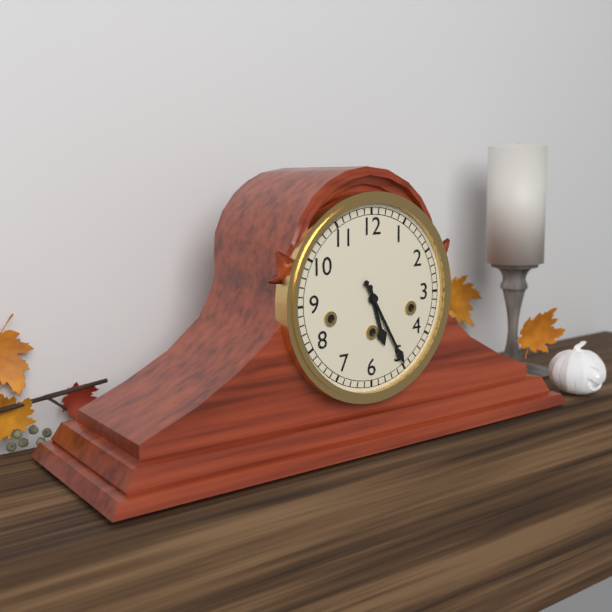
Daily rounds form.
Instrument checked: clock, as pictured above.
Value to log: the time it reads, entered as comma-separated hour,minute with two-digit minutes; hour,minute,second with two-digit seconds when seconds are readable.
5,25
